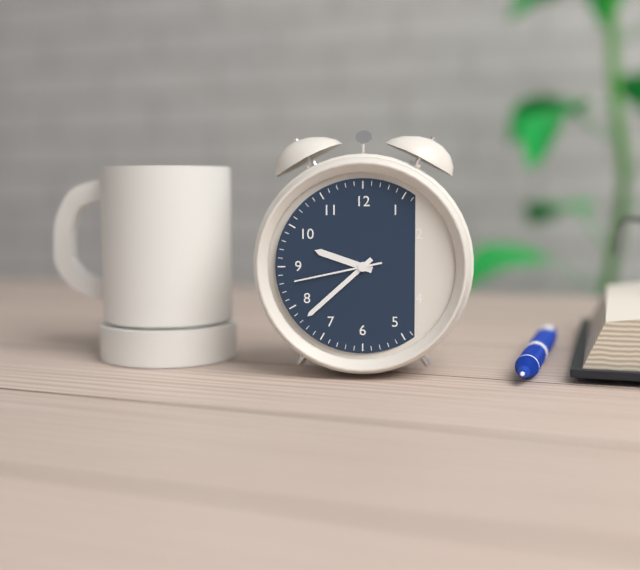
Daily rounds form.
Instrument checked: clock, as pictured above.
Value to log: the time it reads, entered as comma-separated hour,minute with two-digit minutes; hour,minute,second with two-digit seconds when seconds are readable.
9,38,43
